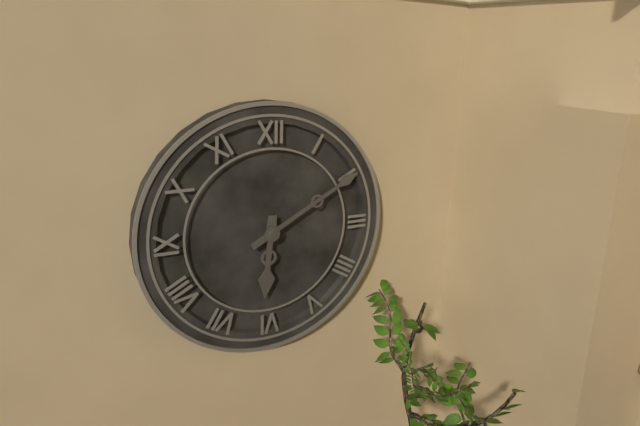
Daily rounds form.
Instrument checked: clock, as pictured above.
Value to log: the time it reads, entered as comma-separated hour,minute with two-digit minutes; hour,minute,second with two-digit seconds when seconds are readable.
6,10
